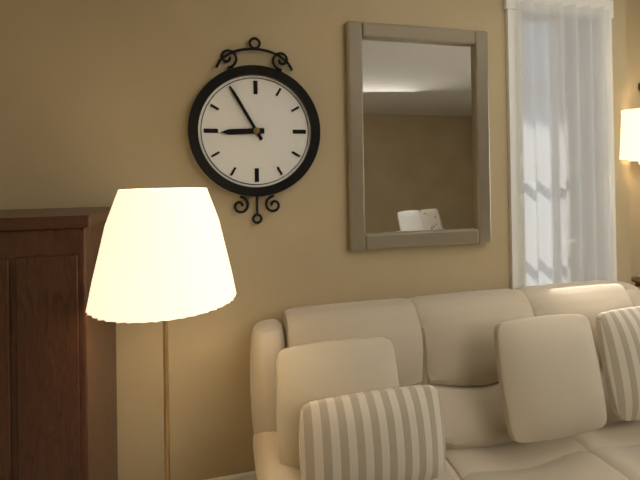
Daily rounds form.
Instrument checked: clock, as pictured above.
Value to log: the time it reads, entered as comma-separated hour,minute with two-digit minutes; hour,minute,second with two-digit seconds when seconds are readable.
8,55
